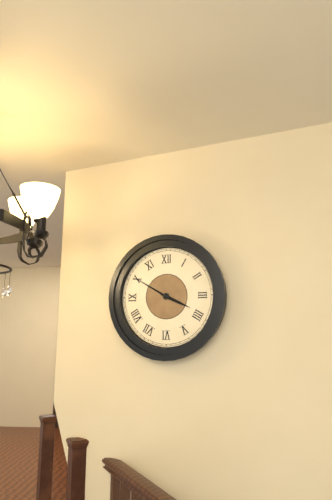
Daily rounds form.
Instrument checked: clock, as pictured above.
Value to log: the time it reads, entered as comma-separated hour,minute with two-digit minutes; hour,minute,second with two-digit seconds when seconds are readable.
3,50
